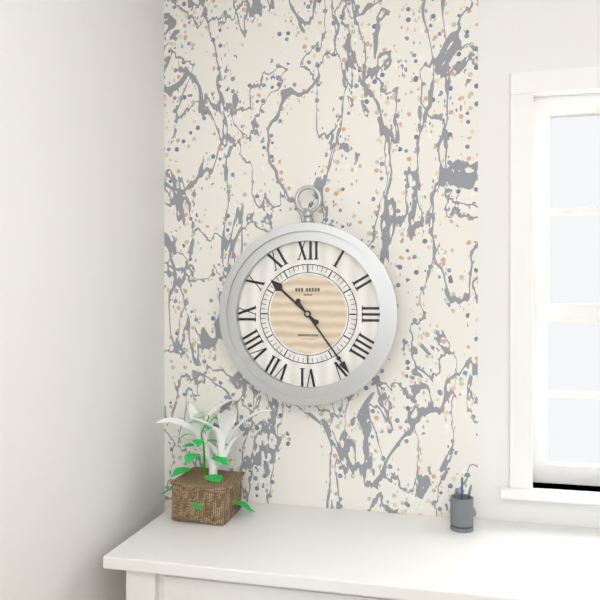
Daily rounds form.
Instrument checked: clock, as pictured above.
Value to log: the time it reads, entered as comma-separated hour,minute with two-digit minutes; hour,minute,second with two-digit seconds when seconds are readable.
10,24
